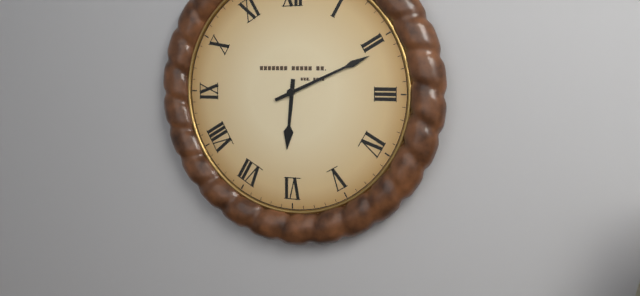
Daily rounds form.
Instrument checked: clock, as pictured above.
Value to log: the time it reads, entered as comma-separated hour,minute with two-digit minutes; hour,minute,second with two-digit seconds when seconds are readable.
6,11
